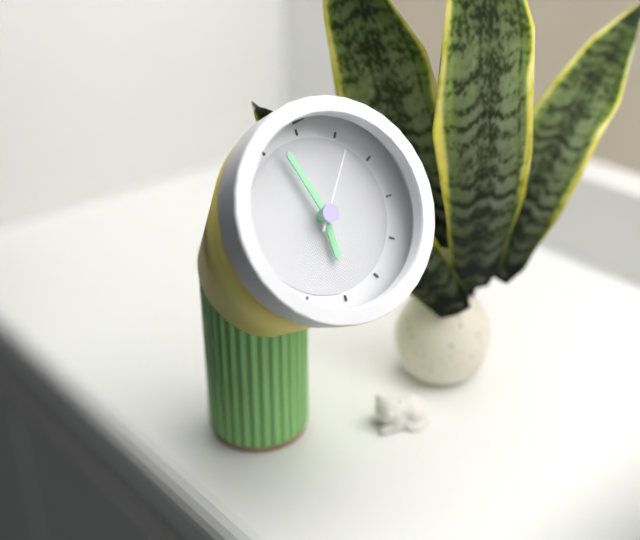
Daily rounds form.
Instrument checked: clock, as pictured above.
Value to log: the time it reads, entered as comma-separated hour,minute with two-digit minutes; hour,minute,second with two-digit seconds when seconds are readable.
5,57,06
